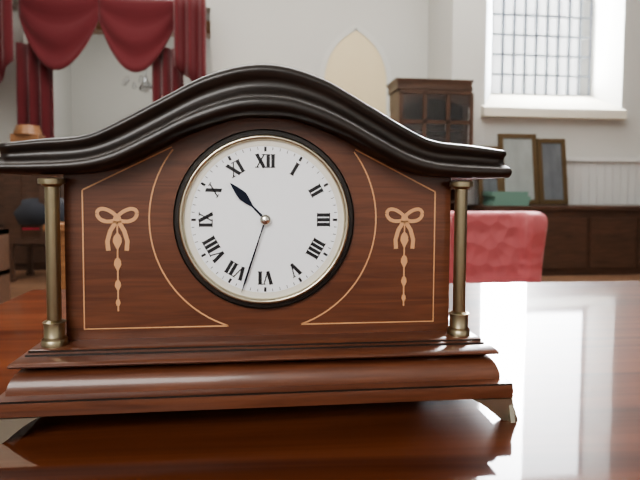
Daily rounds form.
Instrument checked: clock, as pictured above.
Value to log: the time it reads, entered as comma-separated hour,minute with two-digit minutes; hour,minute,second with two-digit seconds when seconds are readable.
10,33
